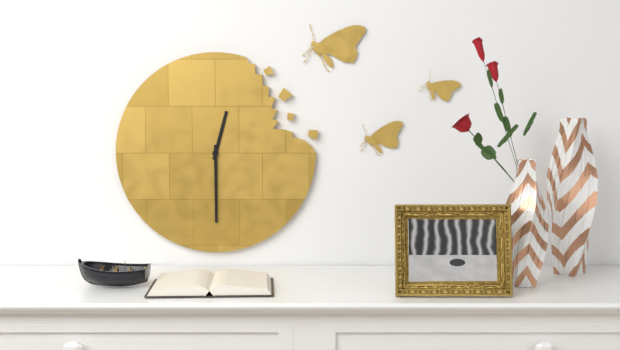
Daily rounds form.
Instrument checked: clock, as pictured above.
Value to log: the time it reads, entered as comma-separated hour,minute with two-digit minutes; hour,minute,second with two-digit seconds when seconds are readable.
12,30
